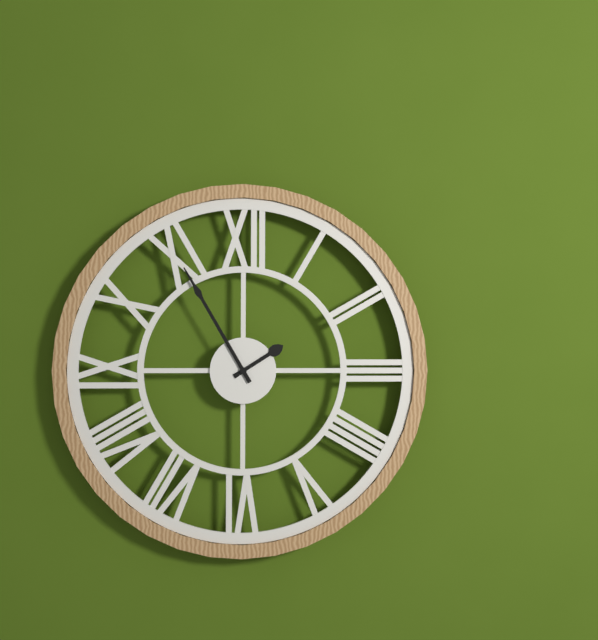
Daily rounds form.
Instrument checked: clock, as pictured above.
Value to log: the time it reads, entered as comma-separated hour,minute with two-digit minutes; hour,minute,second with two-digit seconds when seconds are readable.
1,55
